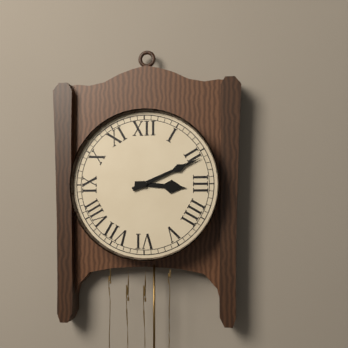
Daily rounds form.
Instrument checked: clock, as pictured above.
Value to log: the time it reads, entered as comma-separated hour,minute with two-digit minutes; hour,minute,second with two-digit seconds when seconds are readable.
3,11
